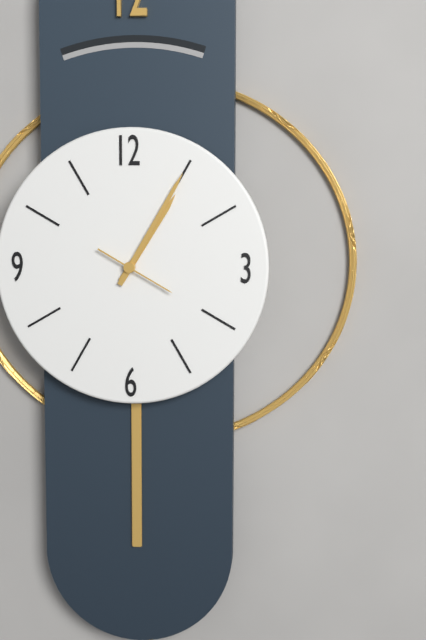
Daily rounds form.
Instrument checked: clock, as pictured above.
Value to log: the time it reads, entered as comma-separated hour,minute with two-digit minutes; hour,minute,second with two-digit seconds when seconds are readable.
1,05,20
